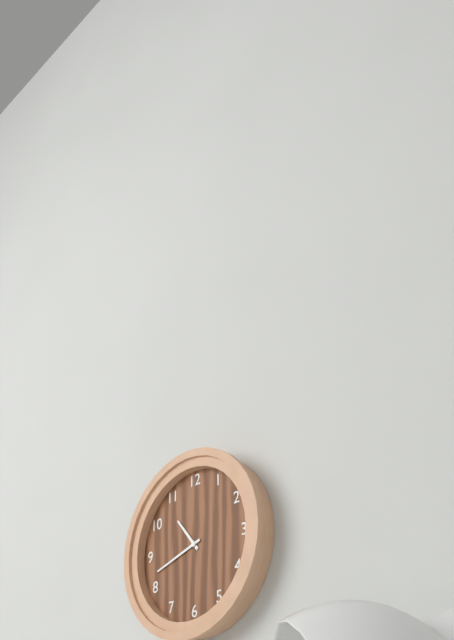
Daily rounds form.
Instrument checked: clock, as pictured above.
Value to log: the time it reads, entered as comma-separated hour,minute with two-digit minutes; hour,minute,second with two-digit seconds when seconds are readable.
10,42
